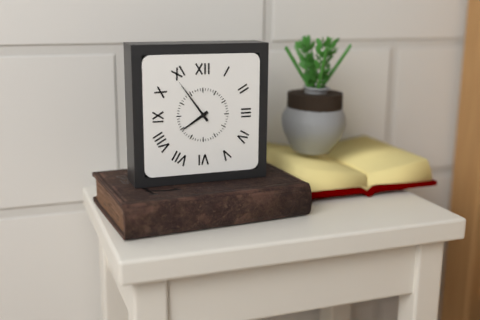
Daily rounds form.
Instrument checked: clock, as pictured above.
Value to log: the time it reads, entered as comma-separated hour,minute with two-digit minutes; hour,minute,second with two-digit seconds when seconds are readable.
7,54
